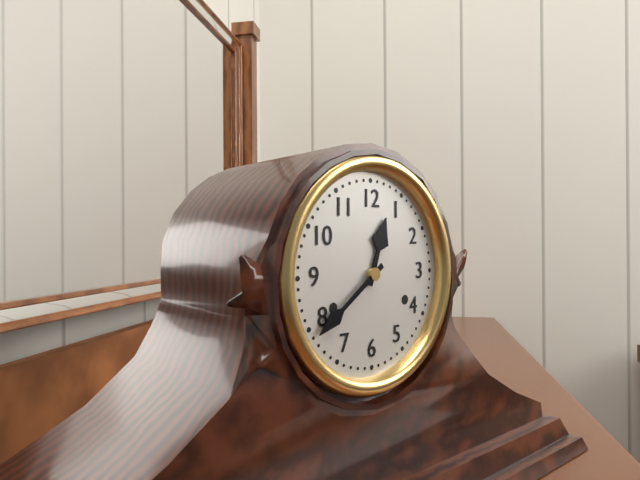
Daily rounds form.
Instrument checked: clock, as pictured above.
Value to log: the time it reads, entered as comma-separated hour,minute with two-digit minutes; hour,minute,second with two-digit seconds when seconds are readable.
12,39
